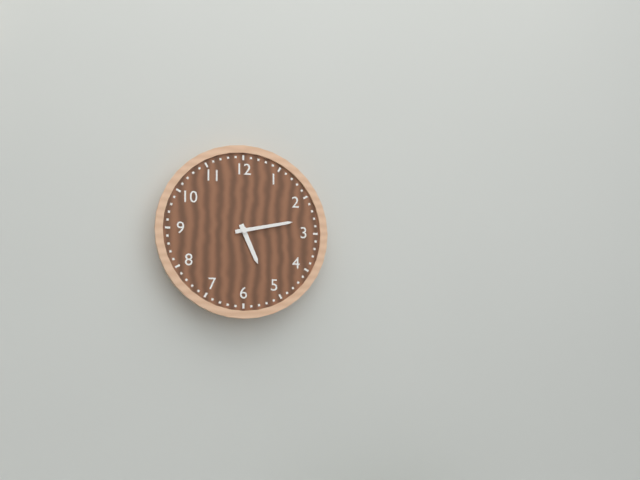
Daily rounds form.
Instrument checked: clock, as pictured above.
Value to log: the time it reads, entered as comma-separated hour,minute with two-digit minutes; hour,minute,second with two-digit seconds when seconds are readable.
5,13
